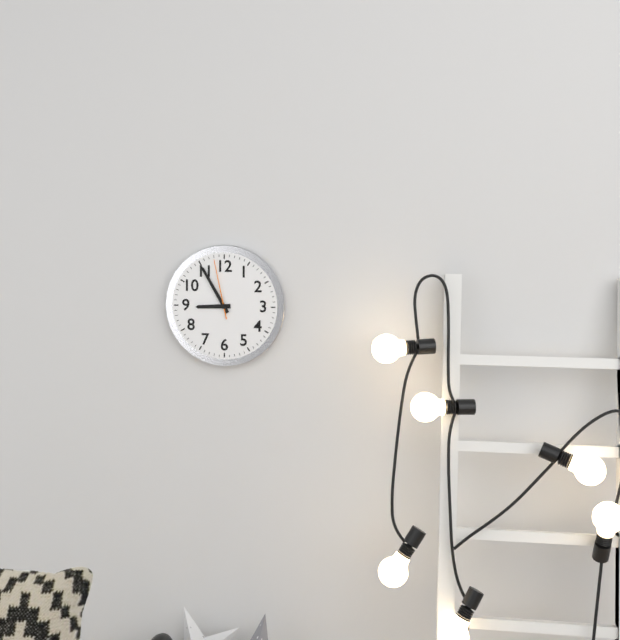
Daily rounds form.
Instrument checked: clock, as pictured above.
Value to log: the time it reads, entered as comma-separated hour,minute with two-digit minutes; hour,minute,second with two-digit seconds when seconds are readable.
8,55,58
